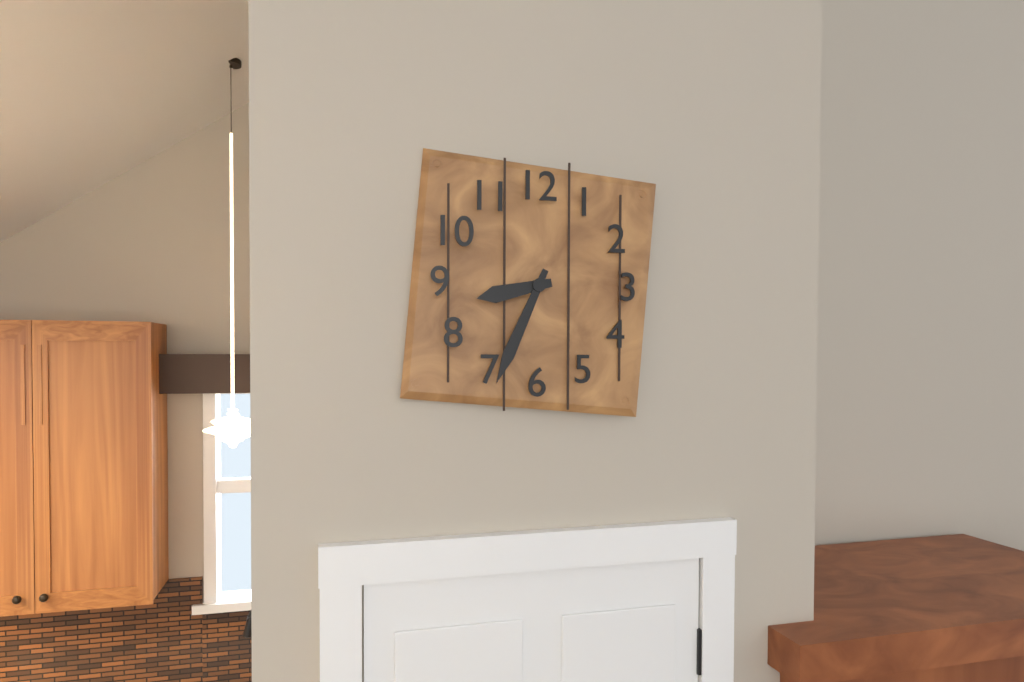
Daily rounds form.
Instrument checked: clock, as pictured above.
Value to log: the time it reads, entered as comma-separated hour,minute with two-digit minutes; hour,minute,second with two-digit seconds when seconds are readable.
8,34
